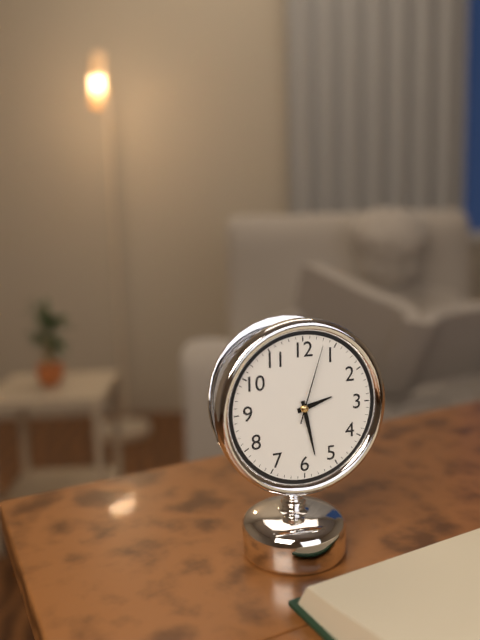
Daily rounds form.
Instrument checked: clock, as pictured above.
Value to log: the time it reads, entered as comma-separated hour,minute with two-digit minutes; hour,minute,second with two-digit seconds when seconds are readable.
2,28,03
